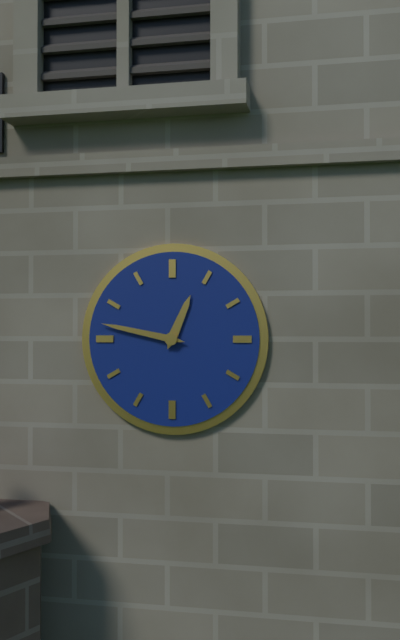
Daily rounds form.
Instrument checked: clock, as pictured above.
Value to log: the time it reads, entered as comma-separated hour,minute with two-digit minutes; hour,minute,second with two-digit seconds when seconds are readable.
12,47
